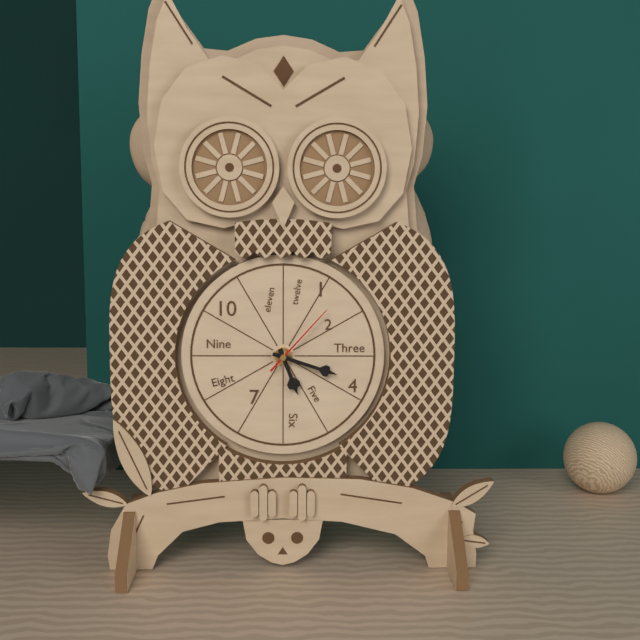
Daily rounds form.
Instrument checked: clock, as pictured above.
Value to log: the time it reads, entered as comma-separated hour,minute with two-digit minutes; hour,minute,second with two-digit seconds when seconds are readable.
5,18,07
